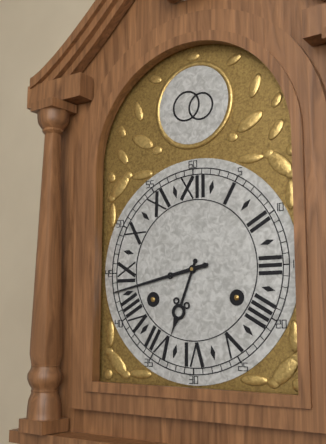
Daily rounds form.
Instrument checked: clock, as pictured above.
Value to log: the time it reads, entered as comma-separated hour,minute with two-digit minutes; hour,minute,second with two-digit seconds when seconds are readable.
6,43
